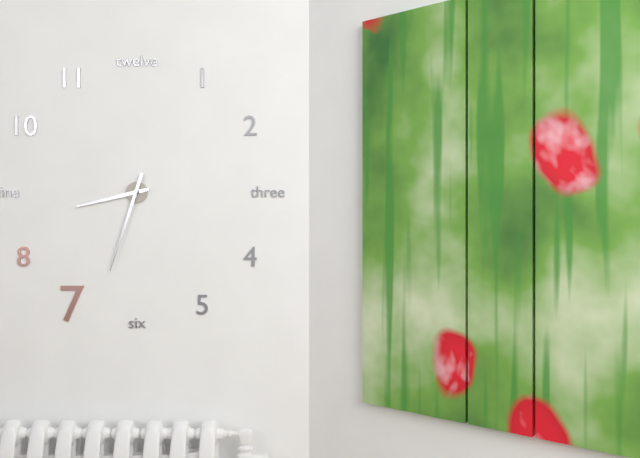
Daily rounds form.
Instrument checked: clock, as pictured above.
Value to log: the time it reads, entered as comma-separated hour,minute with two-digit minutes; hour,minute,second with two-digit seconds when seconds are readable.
8,33
